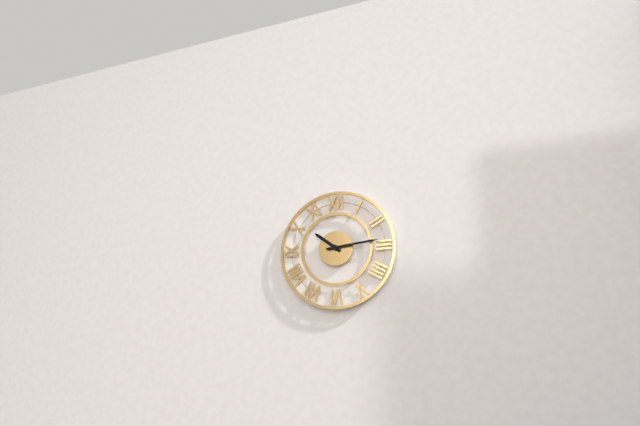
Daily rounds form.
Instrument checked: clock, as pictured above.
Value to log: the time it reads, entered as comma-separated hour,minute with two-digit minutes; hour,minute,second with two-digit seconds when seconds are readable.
10,14
